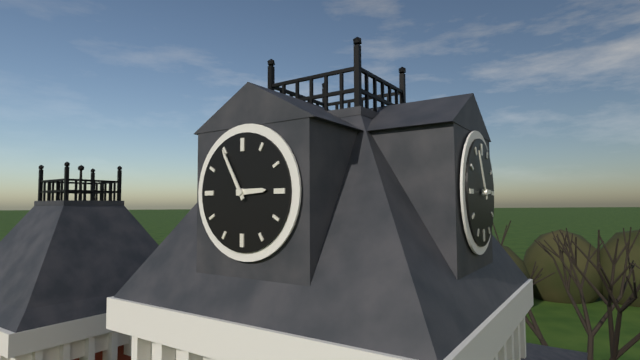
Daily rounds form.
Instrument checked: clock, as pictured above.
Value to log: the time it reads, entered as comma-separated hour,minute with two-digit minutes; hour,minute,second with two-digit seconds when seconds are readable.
2,55
